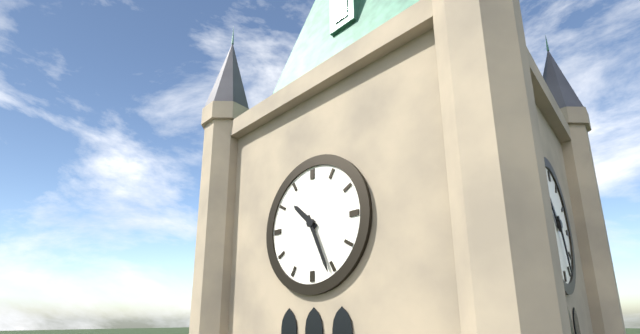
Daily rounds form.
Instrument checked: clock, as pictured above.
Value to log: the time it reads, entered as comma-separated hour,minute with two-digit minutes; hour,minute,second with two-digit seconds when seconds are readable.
10,26
